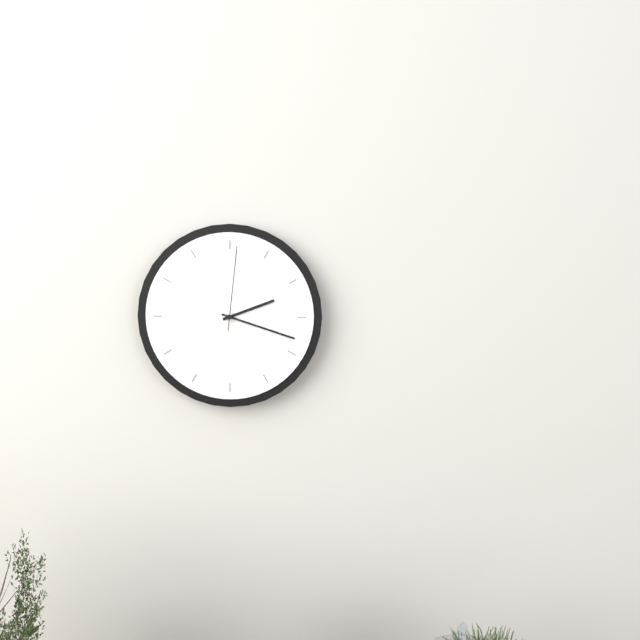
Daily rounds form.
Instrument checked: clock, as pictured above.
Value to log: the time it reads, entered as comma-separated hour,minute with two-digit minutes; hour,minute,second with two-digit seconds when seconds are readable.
2,18,01
